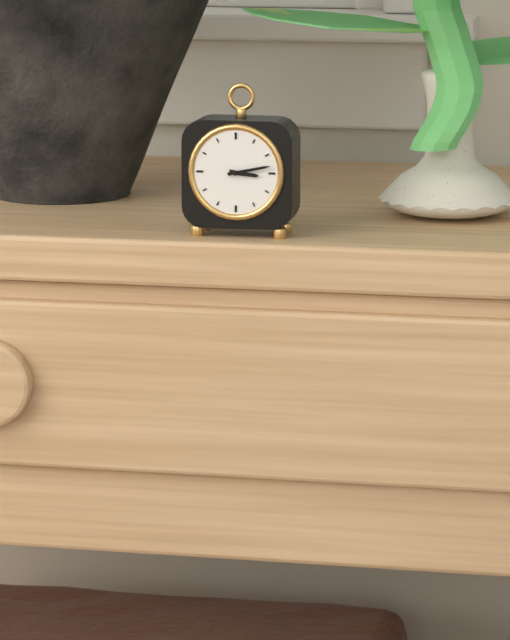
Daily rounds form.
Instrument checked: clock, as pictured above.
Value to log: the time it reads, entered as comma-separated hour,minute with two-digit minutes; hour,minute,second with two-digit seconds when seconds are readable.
3,13
